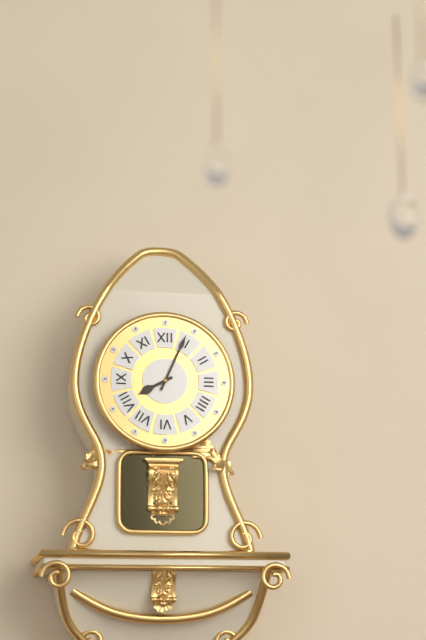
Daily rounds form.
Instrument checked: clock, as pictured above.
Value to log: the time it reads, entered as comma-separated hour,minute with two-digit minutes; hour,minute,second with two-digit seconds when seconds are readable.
8,04
